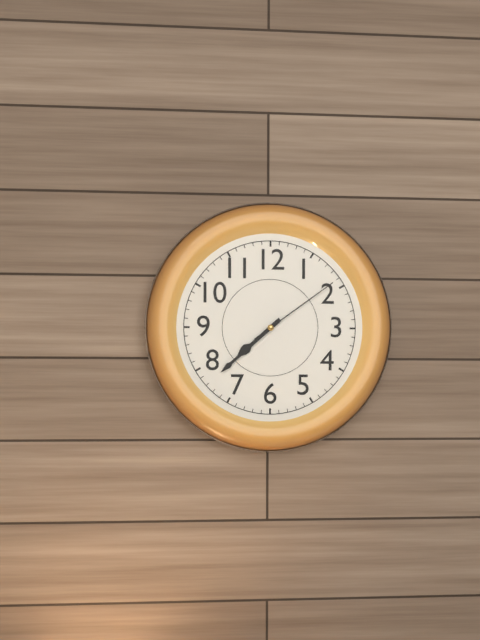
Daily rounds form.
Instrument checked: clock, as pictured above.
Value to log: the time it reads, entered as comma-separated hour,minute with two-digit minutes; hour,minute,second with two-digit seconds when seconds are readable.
7,38,09
